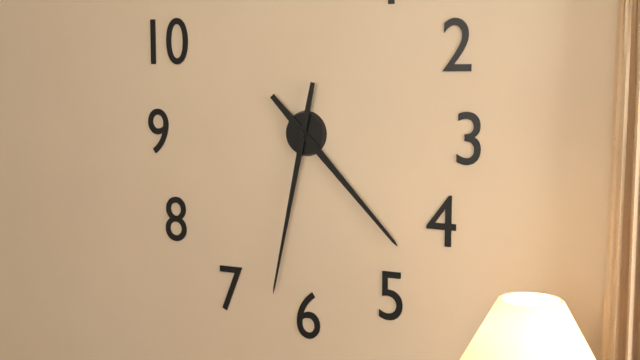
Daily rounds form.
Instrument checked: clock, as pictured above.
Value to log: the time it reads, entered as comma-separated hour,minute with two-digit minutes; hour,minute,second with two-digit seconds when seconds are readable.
4,32
